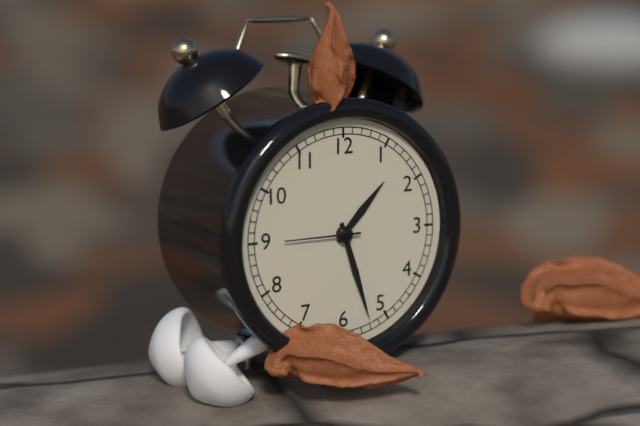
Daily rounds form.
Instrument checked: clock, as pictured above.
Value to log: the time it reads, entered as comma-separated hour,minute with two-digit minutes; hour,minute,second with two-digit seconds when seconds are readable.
1,27,45
